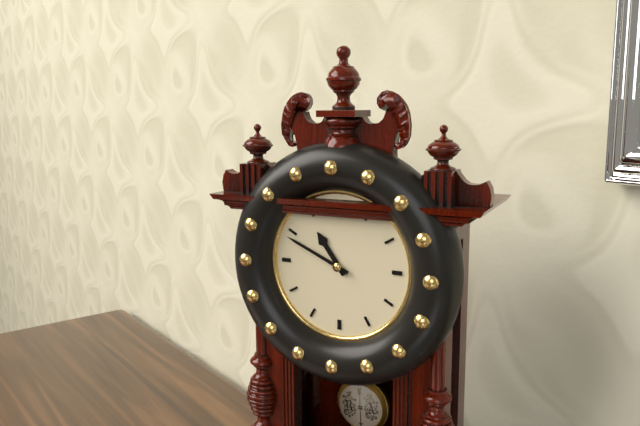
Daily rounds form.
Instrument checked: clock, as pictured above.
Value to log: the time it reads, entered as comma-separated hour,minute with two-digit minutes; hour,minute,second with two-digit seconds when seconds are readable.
10,49
